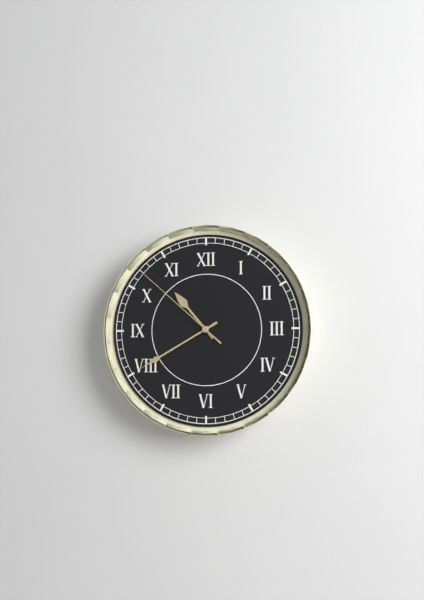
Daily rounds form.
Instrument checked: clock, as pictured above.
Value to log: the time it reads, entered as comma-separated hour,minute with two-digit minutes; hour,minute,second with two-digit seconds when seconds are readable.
10,40,52
